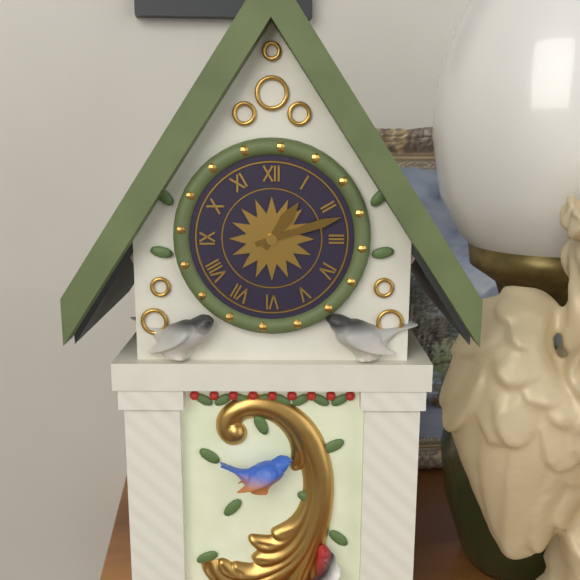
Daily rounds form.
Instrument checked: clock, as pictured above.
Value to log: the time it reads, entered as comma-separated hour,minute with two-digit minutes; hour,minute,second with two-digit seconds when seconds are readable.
1,12
